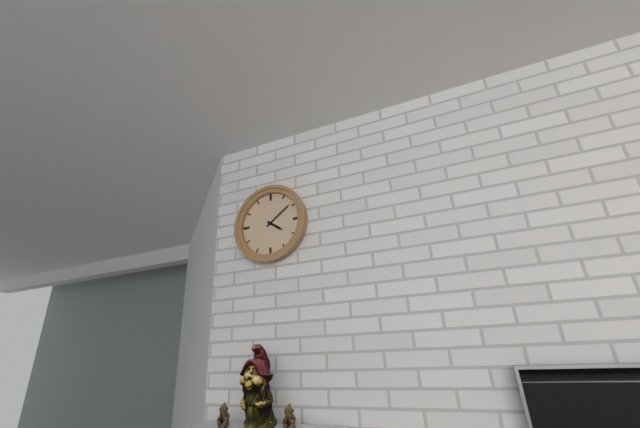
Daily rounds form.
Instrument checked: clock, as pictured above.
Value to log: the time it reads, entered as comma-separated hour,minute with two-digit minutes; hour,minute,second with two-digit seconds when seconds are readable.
4,09
